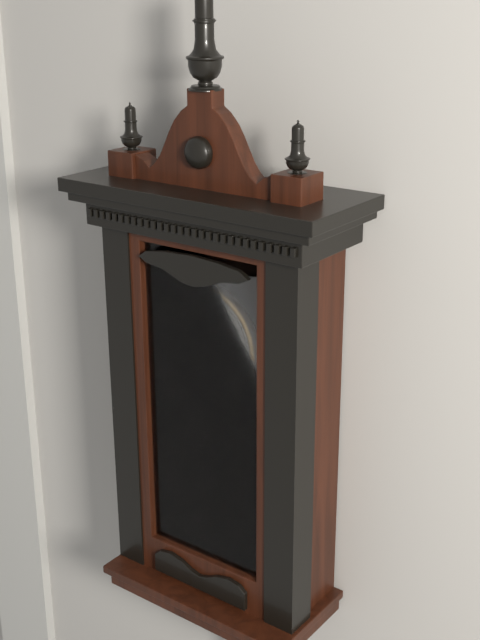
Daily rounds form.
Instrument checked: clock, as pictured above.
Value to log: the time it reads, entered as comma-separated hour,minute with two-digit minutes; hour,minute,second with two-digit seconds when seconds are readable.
10,21
